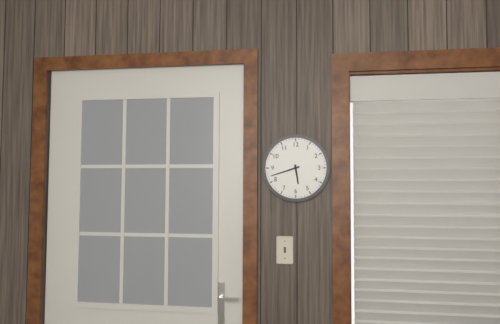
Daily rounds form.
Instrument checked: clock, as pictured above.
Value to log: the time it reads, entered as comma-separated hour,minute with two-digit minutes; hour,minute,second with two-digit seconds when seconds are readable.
5,42
